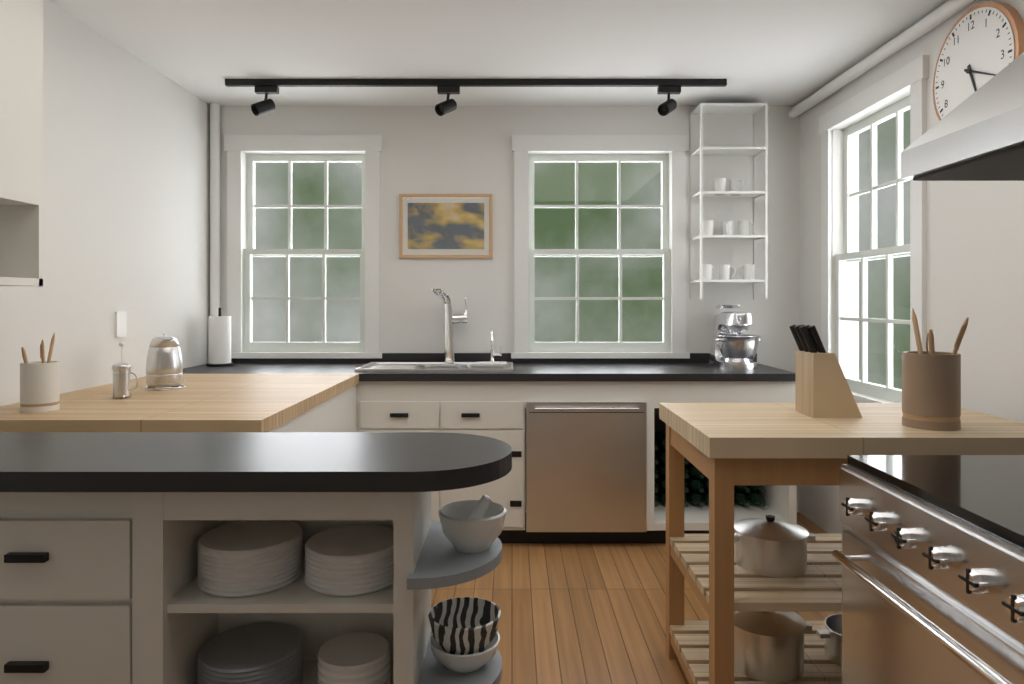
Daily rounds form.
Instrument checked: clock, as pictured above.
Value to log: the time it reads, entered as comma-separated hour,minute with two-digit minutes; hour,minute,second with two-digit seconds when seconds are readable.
5,19
